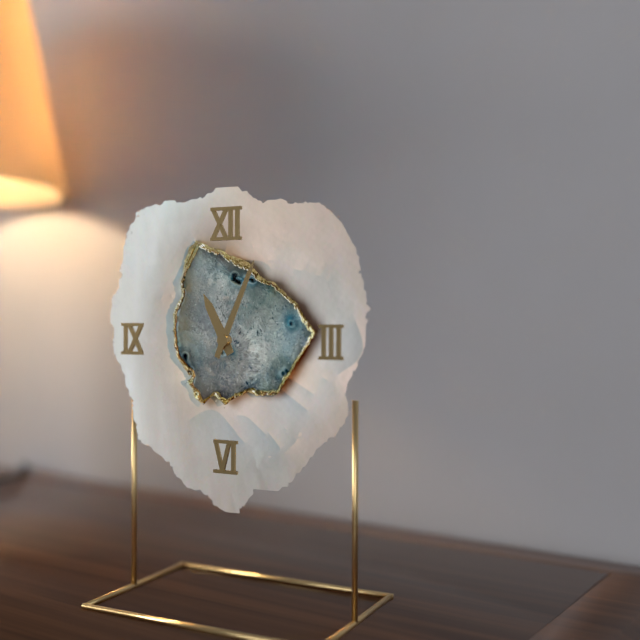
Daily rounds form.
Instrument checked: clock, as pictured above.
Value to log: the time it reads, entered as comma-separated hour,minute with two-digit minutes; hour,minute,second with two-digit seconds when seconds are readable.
11,04
